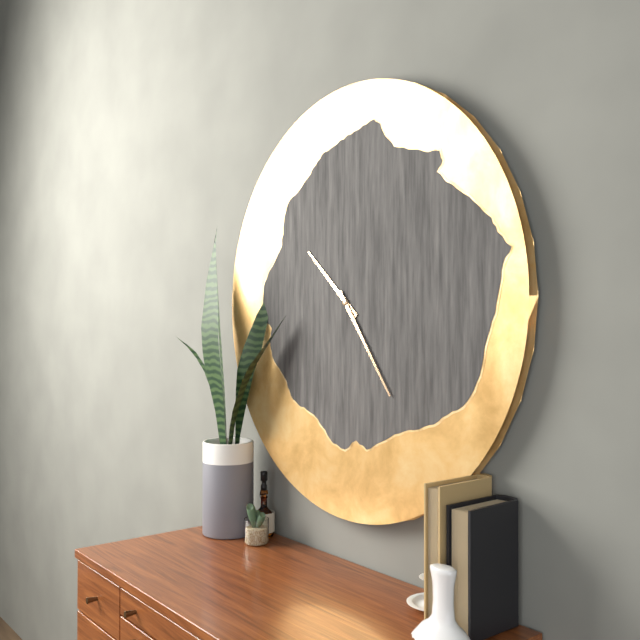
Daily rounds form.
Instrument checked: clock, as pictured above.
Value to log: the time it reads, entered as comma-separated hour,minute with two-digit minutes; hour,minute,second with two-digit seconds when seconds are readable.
10,24
